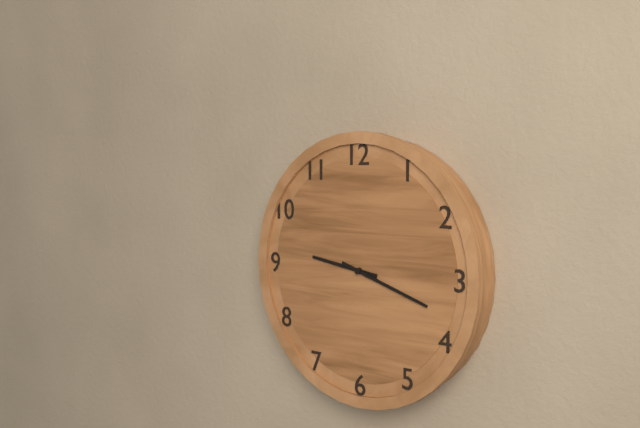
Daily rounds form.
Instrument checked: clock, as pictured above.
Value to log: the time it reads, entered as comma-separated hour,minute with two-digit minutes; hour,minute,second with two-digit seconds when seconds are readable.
9,18
